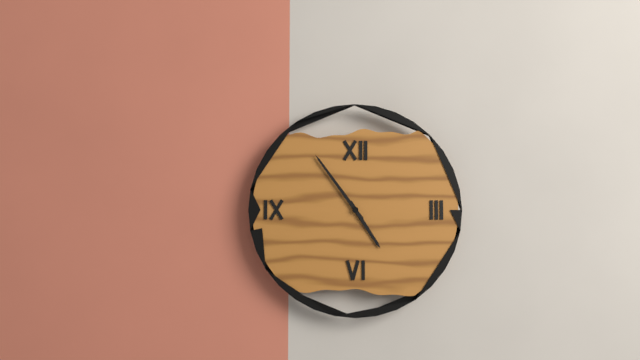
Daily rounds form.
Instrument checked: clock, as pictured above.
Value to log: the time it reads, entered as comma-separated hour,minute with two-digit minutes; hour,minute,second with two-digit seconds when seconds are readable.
4,54
